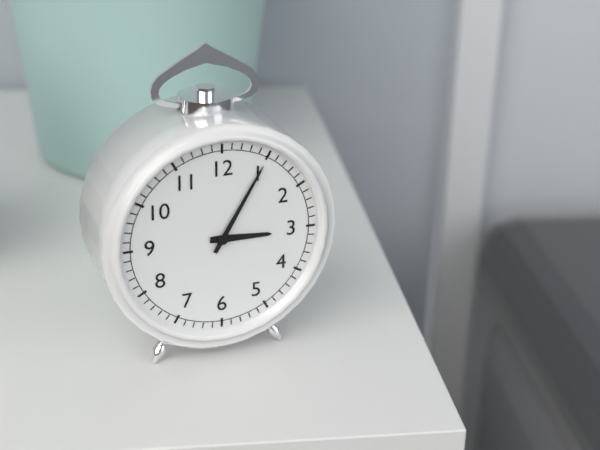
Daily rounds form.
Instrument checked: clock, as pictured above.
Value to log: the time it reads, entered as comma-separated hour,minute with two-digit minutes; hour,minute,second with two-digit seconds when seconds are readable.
3,05
